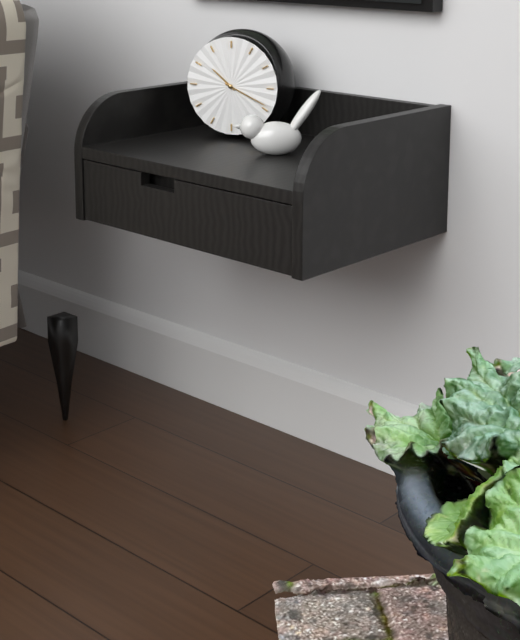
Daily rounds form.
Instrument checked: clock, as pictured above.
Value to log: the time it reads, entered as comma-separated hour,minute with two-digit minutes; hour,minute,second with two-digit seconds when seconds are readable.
10,19
